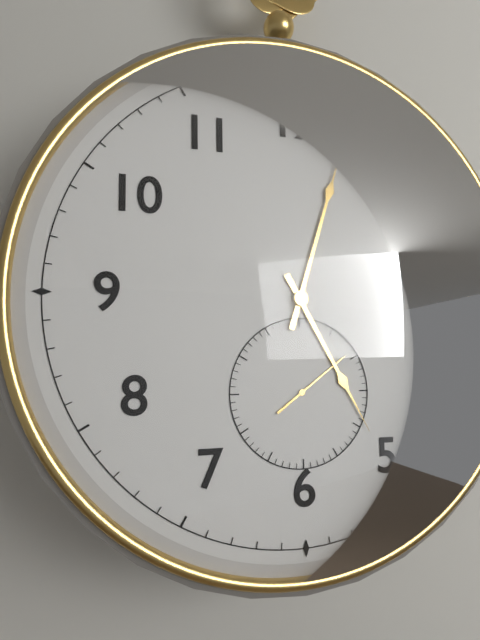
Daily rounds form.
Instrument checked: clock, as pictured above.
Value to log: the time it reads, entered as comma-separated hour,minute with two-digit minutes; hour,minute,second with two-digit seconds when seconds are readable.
5,03,09
